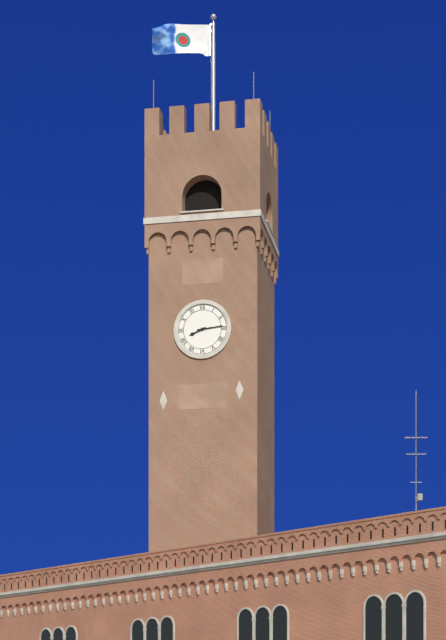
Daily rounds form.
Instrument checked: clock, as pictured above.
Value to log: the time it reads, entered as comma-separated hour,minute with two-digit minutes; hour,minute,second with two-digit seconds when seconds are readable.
8,14
